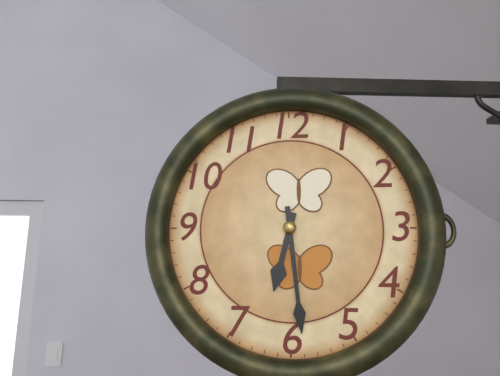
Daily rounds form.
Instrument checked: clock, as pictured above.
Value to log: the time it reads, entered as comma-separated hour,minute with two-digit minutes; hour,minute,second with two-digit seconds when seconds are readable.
6,29
